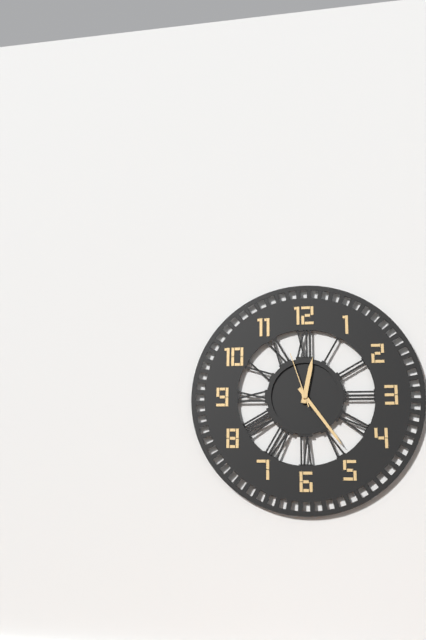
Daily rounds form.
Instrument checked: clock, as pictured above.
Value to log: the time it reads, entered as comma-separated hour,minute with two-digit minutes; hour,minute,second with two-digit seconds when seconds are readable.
12,24,57
